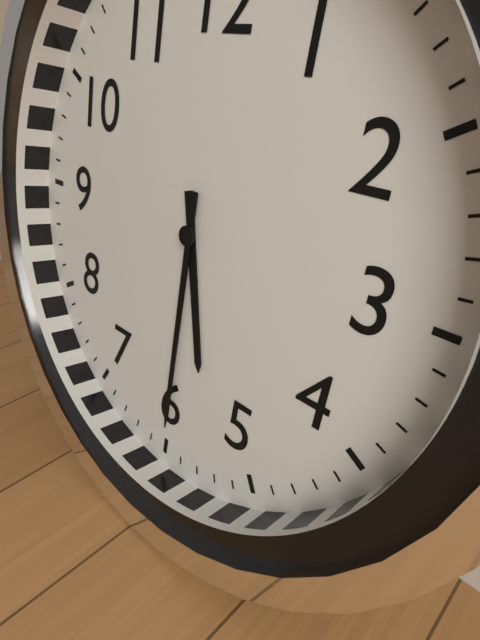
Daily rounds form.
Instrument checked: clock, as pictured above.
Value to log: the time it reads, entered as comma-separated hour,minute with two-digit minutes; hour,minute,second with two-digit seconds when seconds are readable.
5,30
